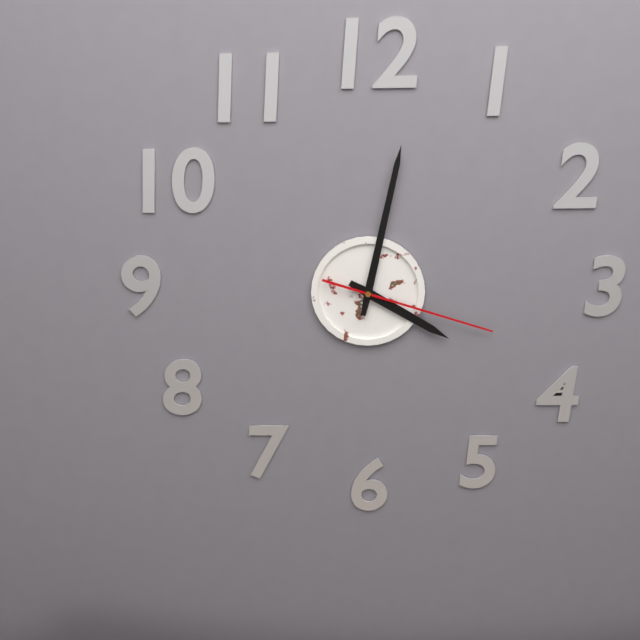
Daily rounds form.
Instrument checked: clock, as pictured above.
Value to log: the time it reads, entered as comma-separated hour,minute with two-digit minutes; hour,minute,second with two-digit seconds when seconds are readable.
4,02,18
